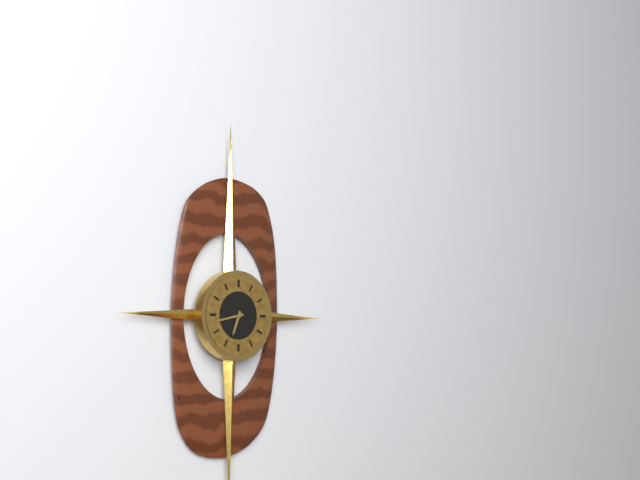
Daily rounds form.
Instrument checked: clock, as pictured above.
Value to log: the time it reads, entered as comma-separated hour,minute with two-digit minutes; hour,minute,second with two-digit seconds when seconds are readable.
6,43
